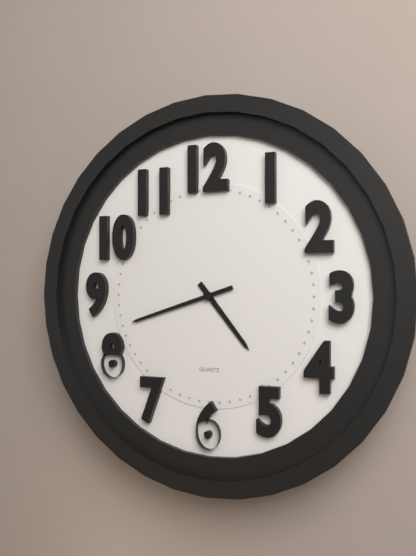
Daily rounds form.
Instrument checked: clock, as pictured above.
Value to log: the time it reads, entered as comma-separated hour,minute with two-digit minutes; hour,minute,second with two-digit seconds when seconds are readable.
4,42
